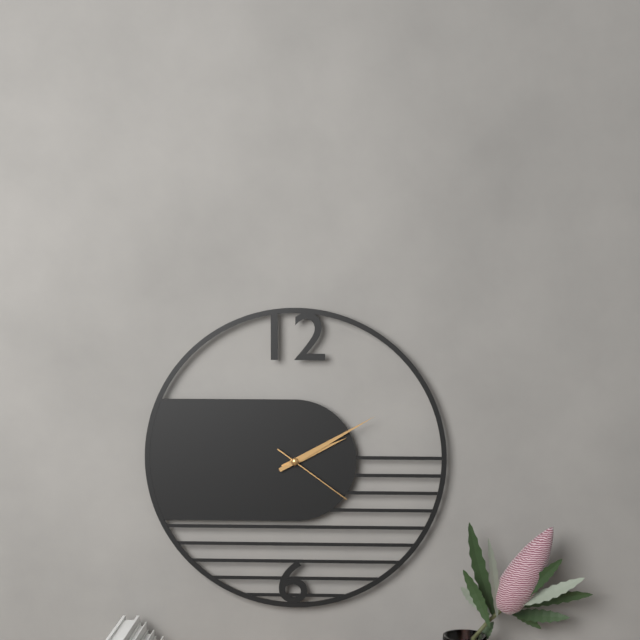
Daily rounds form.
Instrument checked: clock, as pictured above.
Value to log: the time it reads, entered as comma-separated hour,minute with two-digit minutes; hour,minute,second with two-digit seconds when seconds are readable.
2,10,21
